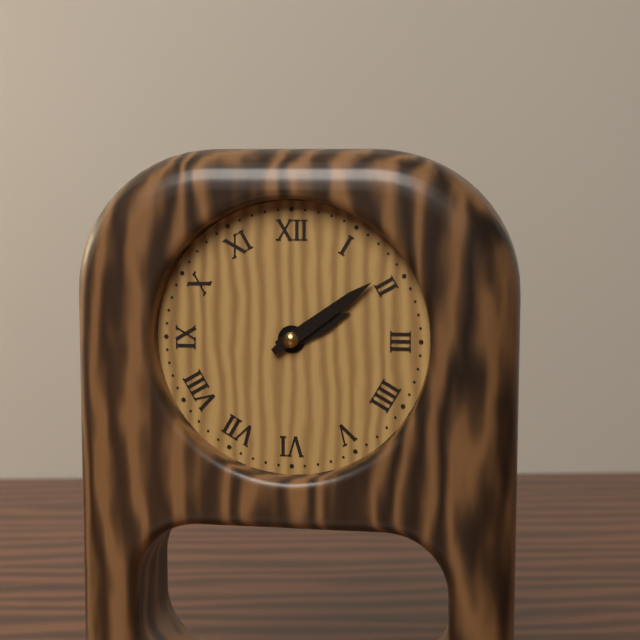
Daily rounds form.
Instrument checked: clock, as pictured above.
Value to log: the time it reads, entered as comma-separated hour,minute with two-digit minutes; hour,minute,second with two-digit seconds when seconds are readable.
2,09
